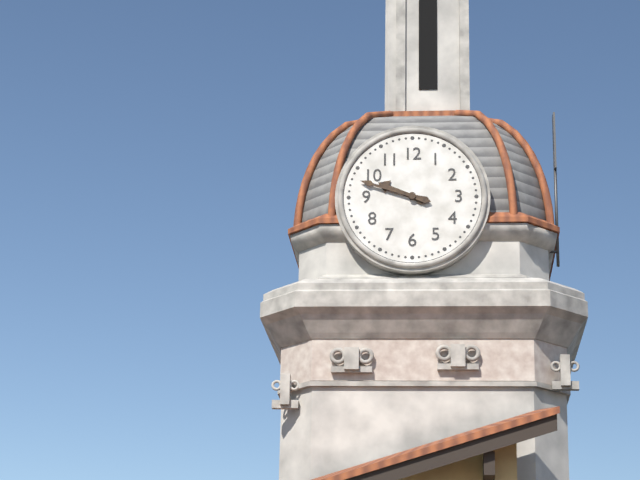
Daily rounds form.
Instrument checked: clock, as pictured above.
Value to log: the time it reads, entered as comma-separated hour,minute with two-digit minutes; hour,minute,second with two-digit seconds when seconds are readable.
9,48
